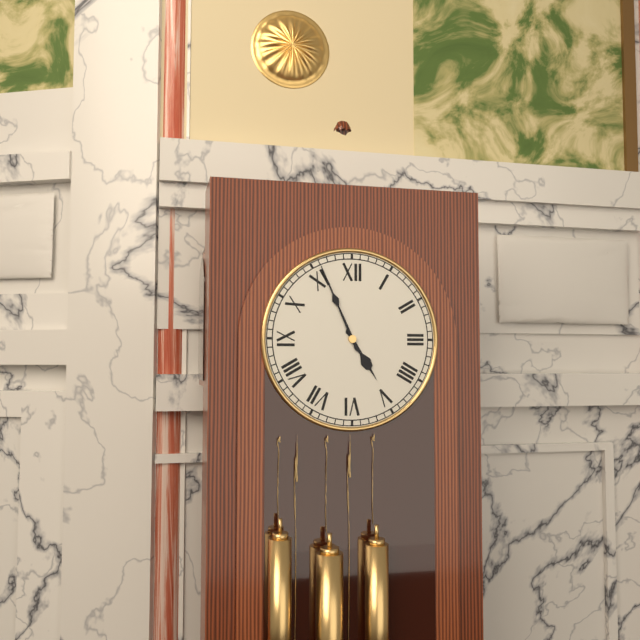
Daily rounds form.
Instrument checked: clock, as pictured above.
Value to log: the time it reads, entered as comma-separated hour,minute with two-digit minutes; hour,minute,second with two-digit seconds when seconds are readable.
4,56
